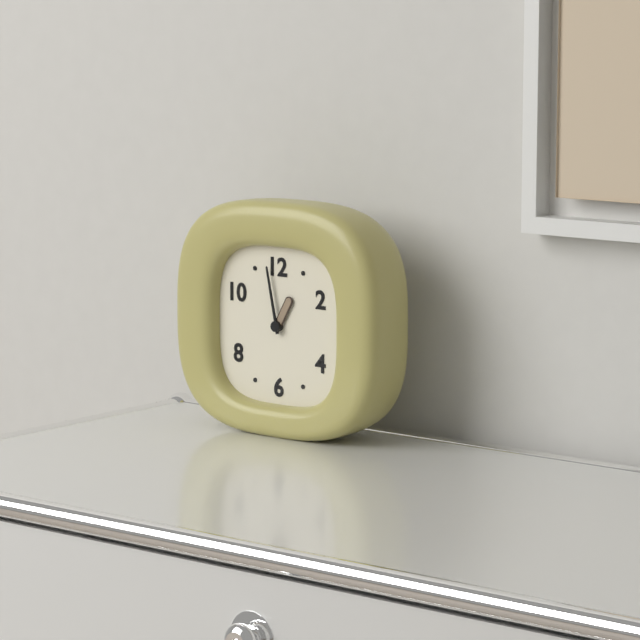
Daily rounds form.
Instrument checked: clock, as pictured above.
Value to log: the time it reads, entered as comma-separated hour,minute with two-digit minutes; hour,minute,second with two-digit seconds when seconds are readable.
12,58
